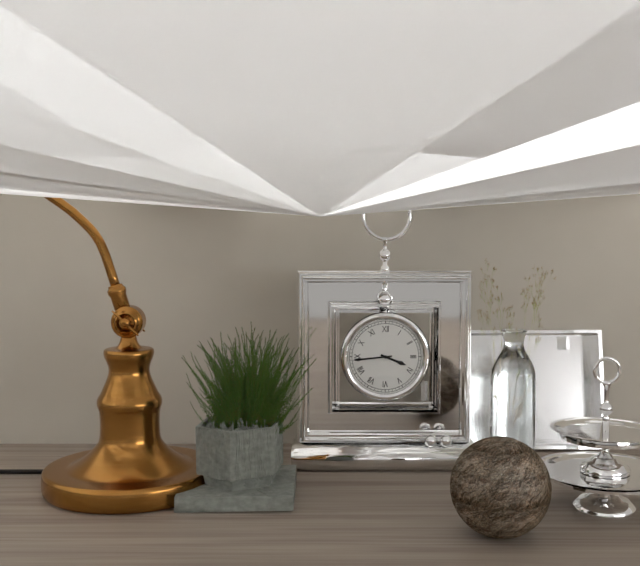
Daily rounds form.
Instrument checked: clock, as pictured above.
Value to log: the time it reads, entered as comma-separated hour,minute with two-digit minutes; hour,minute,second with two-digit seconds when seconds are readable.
3,44
